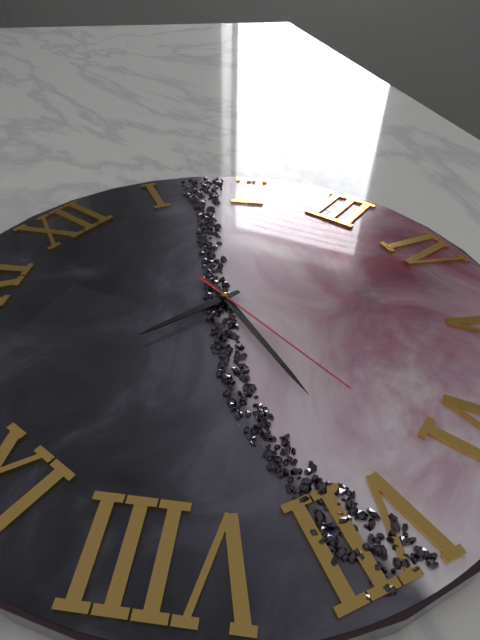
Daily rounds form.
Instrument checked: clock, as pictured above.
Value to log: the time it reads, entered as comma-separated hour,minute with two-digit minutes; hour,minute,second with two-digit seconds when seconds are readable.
9,34,32
